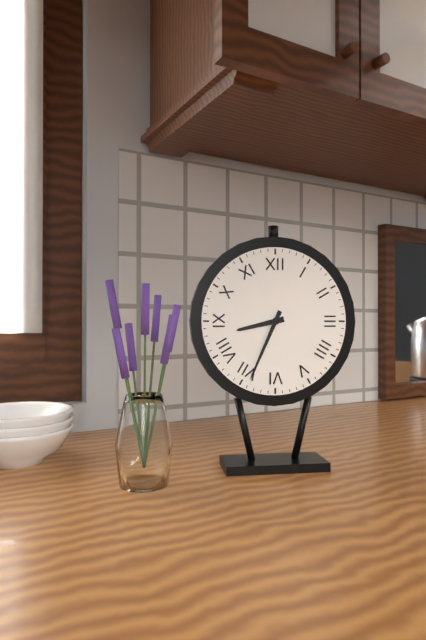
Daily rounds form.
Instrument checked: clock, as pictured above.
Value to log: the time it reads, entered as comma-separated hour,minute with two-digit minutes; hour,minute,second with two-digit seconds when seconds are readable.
8,34
